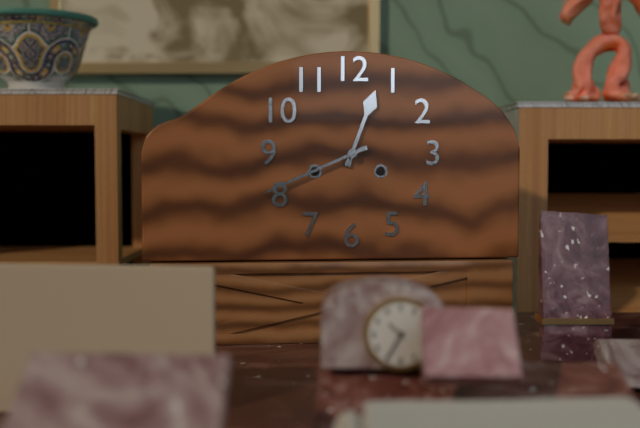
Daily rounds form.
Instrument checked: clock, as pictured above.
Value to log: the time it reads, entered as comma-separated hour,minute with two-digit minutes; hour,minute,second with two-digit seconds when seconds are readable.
12,41
